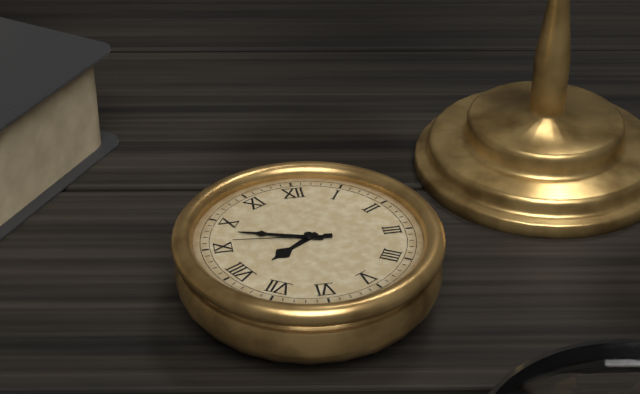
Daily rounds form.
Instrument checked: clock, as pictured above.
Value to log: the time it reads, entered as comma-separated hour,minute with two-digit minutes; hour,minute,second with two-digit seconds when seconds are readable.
7,48,46
